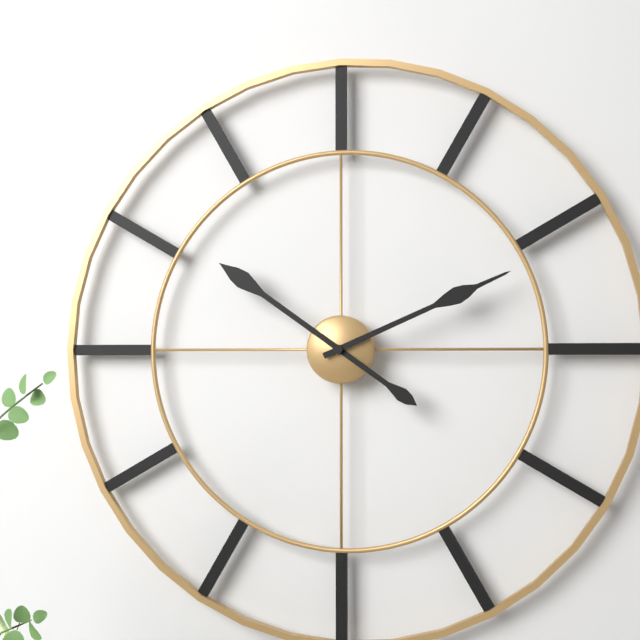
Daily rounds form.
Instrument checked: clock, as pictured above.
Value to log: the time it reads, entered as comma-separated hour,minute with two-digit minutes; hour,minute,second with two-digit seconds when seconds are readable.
10,11
